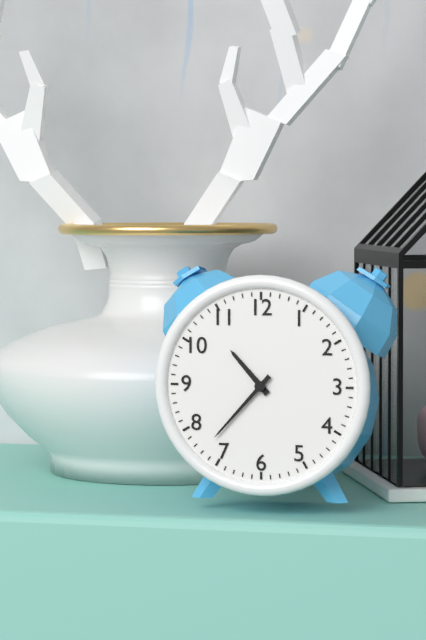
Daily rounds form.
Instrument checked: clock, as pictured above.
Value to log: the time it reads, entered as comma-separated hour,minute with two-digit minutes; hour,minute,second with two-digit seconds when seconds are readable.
10,37
